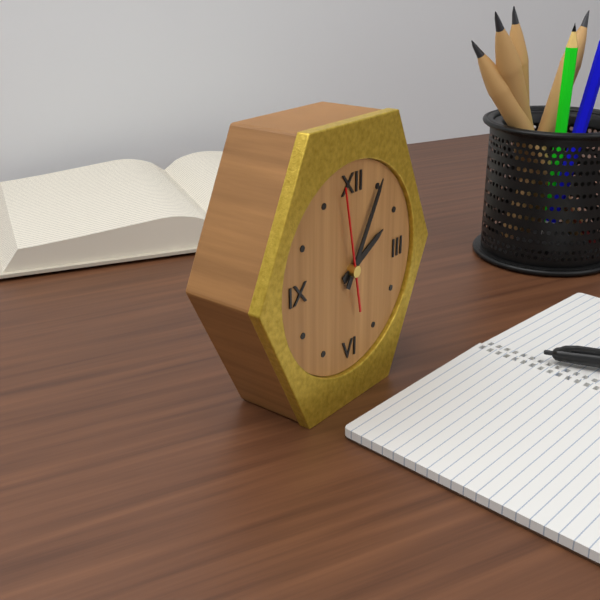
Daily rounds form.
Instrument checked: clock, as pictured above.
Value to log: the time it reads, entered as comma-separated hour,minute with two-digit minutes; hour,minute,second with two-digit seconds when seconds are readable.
2,05,58
